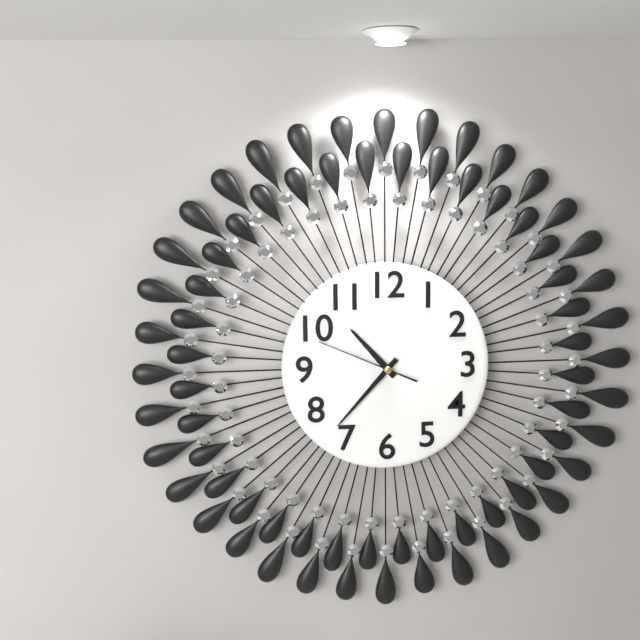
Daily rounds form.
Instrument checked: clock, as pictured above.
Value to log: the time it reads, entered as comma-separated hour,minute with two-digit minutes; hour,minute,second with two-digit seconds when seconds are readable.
10,37,49
